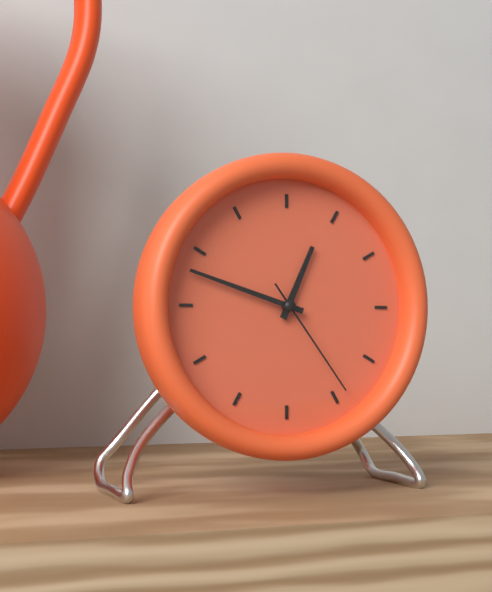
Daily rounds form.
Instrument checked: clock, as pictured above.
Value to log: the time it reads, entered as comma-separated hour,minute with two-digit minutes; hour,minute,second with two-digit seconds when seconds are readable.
12,48,24
